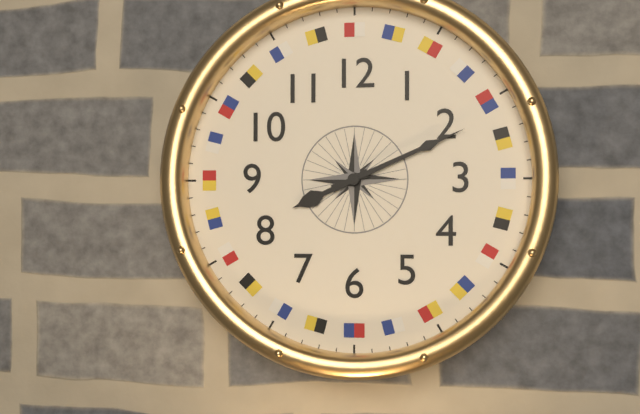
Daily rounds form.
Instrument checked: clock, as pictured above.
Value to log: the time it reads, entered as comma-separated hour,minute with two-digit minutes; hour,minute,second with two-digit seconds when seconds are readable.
8,11
